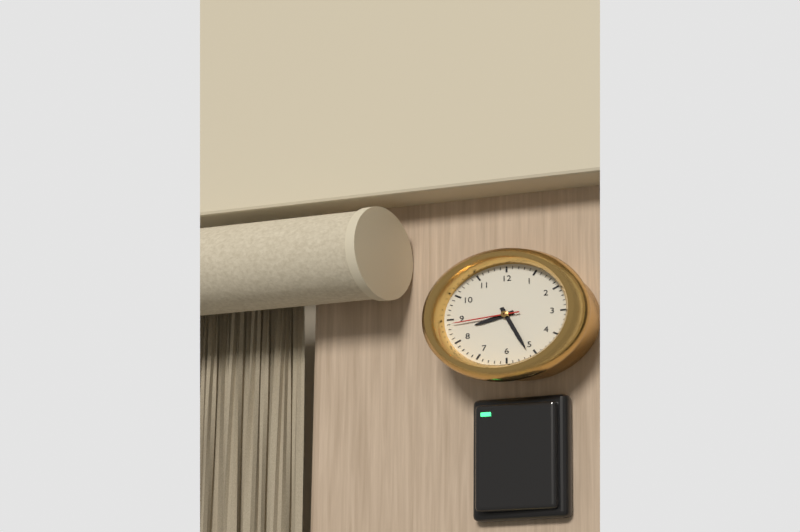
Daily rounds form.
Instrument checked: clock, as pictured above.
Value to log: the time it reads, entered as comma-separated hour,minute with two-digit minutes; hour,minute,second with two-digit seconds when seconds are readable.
8,26,44
